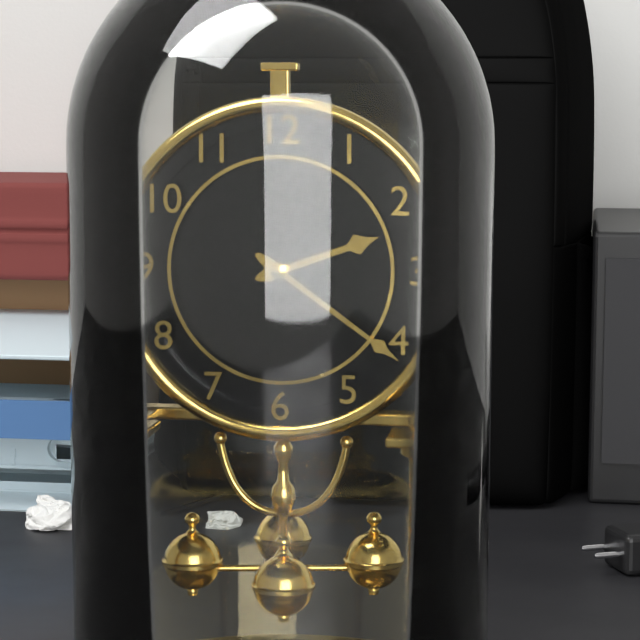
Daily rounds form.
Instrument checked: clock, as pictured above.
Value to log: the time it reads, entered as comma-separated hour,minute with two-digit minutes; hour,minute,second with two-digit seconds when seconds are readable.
2,21
